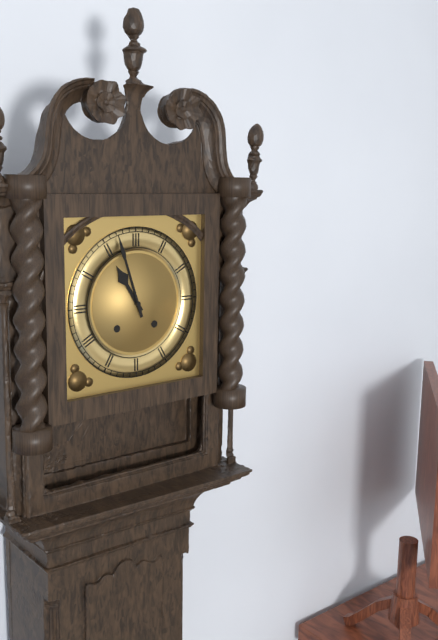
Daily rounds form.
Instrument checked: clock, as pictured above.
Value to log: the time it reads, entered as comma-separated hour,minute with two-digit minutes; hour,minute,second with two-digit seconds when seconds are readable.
10,57
